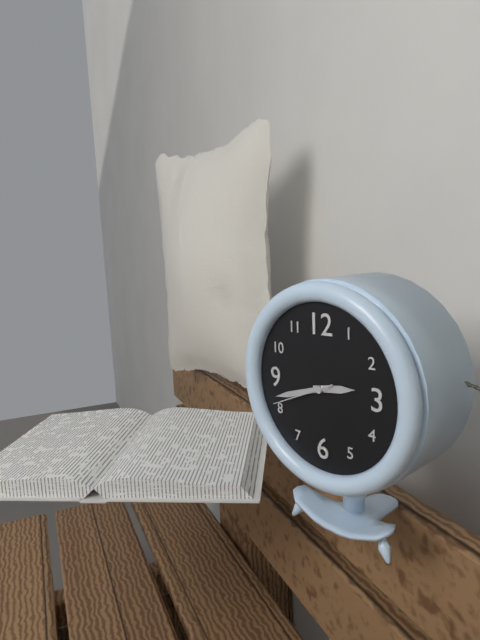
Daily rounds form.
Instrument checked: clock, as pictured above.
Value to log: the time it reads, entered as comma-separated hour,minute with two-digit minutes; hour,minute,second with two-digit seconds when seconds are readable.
2,42,41
